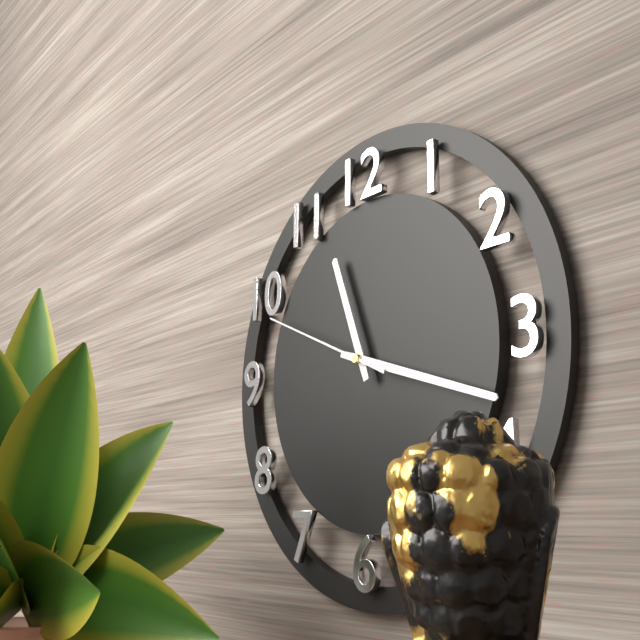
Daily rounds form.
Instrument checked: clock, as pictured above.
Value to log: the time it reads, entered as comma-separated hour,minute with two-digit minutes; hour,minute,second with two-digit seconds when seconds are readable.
11,18,49
